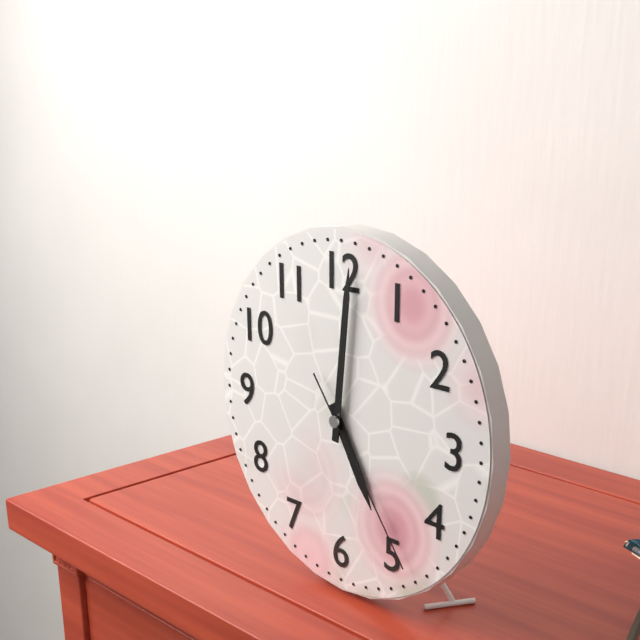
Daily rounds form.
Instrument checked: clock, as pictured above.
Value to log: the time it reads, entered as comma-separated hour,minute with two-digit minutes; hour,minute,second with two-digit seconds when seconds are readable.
5,01,24
